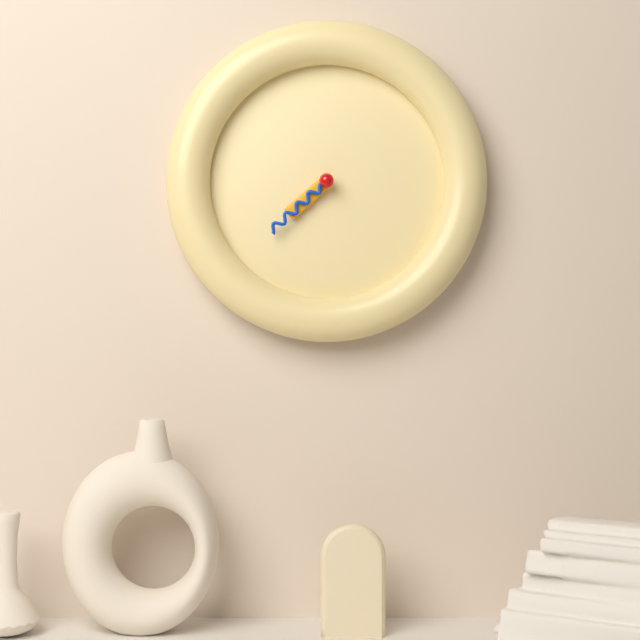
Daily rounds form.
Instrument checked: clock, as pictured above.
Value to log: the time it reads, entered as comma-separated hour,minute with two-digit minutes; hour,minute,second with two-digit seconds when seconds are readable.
7,38
